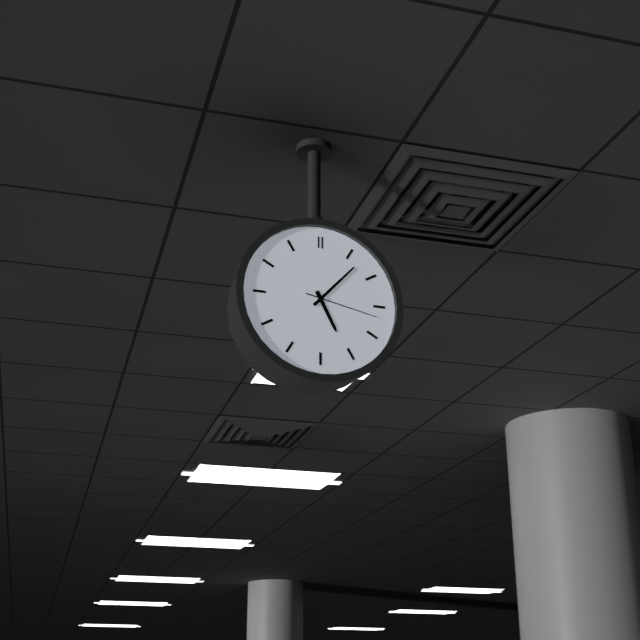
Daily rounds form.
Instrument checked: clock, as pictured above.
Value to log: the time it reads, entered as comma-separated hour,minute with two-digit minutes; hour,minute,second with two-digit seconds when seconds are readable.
5,07,17
